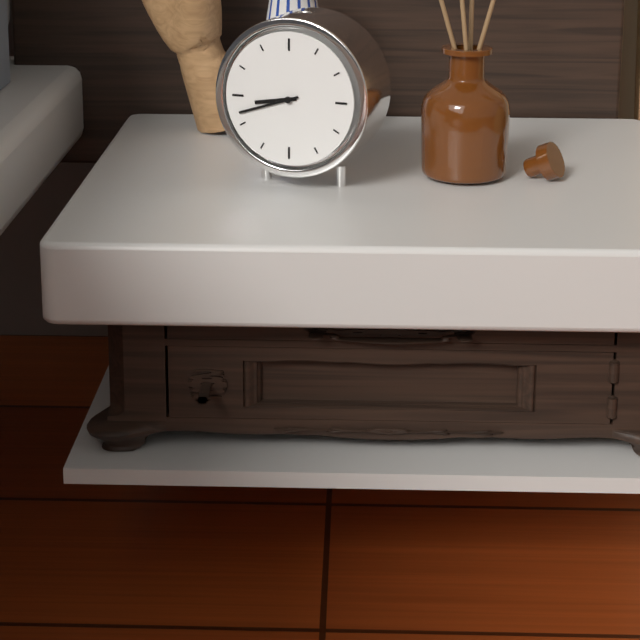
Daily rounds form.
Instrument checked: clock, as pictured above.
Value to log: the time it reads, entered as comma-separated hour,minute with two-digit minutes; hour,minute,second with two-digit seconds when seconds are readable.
8,42
